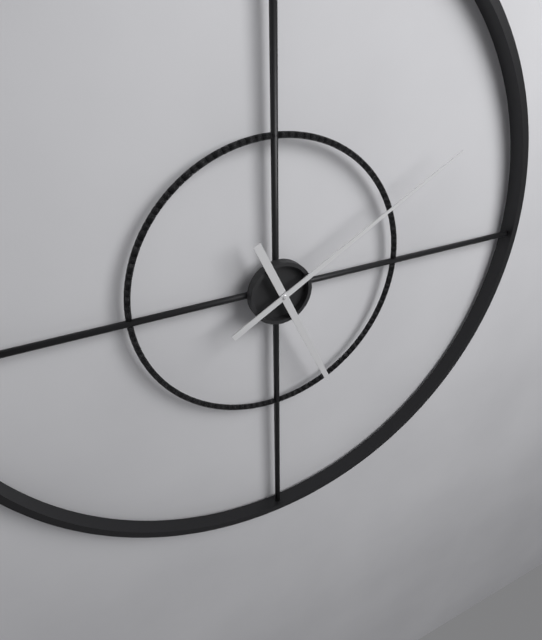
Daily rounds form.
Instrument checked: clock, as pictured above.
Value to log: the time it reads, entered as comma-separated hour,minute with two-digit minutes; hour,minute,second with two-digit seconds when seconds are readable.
5,10
